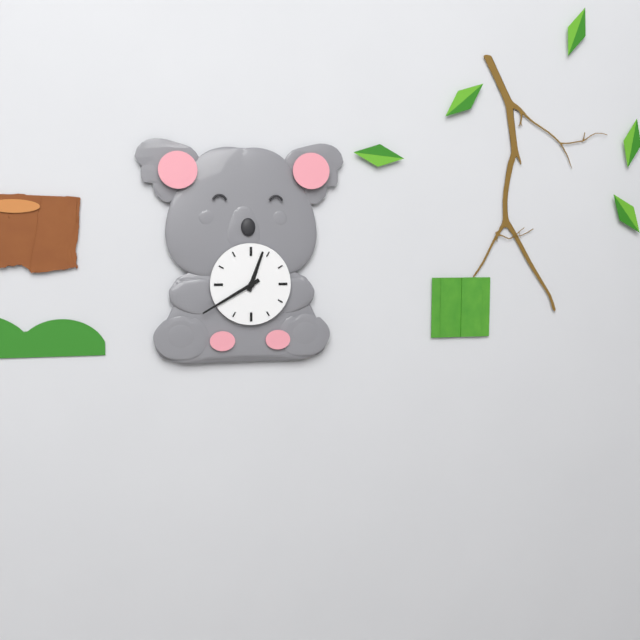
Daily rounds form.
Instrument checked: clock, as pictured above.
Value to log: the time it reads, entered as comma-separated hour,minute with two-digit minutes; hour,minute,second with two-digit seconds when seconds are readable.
12,40
